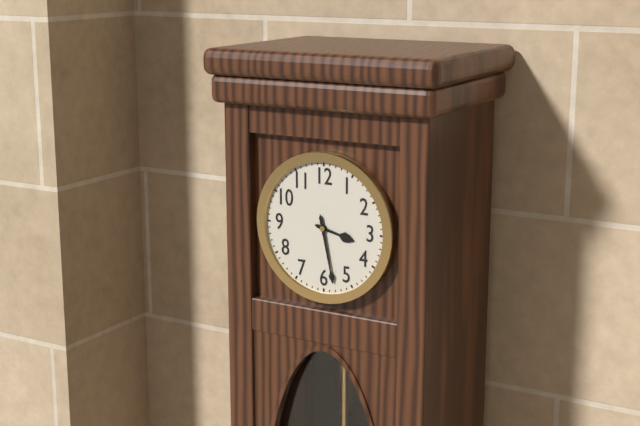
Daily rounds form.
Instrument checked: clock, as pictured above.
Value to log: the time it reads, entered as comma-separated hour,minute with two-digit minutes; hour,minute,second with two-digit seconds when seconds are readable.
3,28
